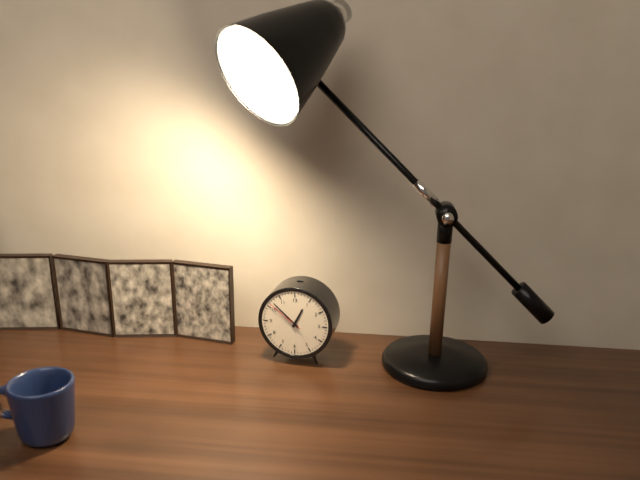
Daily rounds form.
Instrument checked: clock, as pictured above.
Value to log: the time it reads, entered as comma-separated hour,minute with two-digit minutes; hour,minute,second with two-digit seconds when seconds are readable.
12,52
